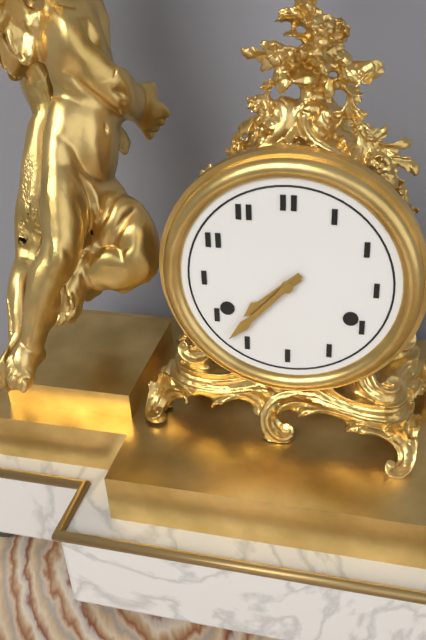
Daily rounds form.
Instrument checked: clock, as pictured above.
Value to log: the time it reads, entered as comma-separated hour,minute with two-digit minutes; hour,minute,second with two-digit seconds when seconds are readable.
7,37
